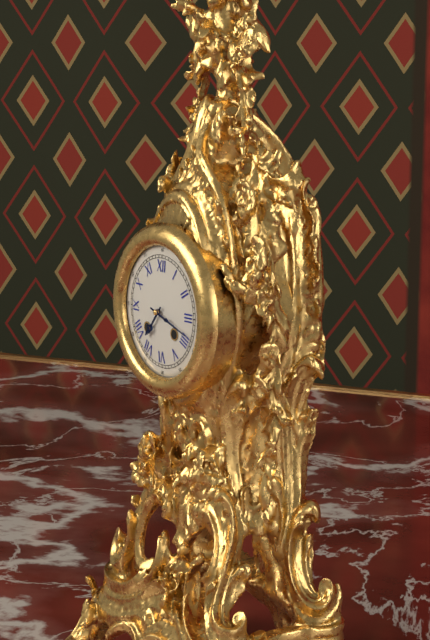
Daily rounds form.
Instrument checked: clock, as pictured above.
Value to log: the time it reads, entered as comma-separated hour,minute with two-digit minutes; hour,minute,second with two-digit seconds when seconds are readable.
7,18
